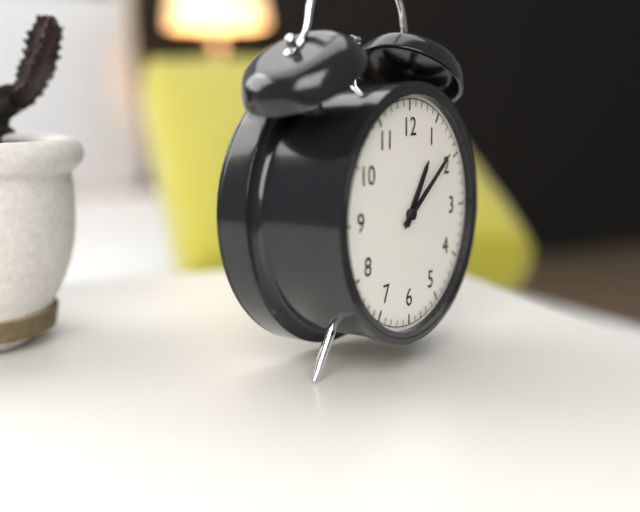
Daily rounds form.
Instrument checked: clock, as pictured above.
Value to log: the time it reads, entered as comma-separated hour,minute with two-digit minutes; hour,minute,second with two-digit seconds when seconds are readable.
1,09
